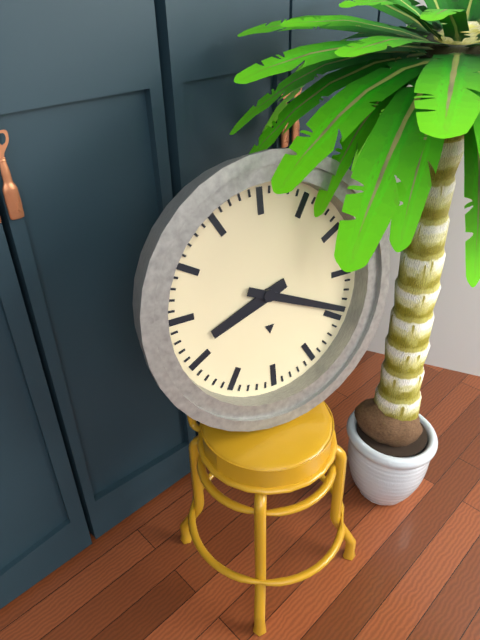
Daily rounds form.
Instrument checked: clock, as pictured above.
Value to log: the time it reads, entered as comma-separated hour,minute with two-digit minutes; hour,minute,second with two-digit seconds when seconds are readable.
8,19
